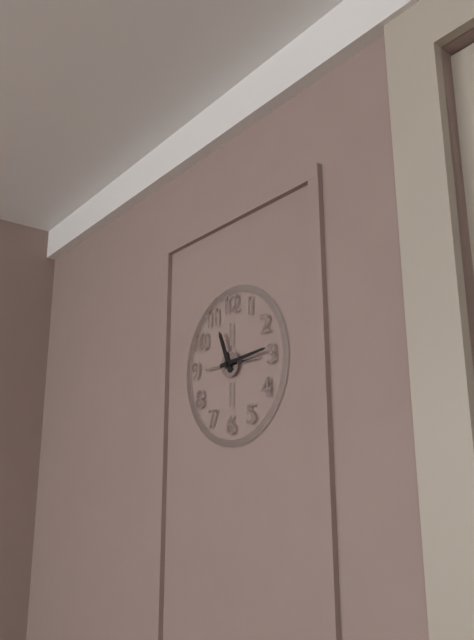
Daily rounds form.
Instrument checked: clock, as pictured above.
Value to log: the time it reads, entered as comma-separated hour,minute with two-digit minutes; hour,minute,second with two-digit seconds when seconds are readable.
11,14
